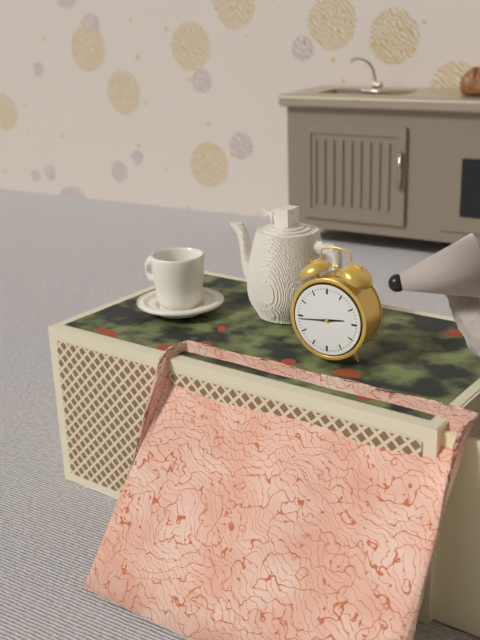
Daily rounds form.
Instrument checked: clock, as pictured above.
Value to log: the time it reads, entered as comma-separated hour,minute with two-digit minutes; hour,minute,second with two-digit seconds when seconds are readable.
2,44
